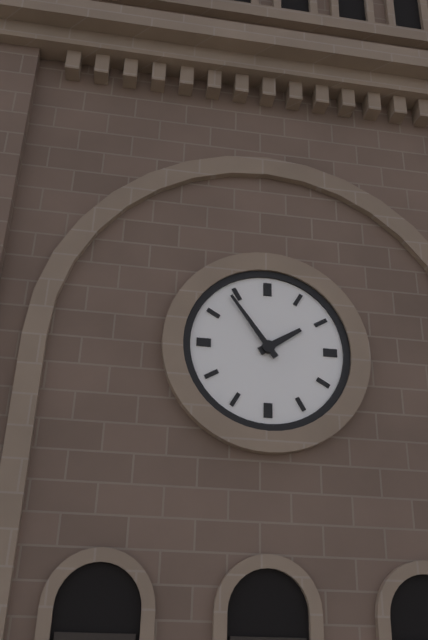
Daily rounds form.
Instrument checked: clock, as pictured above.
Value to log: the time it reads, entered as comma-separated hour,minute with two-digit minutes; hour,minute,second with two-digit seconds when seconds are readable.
1,54
